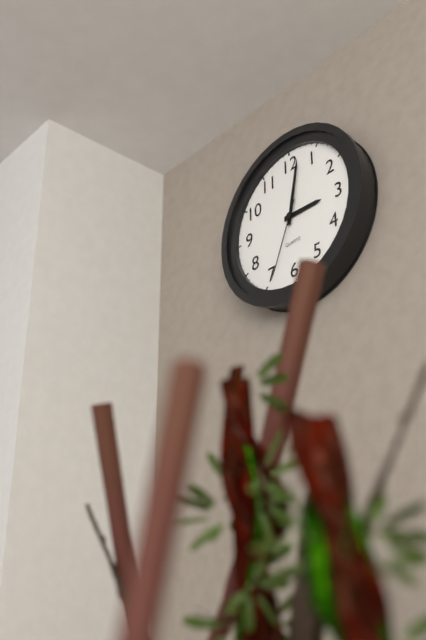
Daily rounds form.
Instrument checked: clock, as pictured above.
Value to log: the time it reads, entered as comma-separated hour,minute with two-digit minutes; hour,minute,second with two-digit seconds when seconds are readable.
3,02,34
